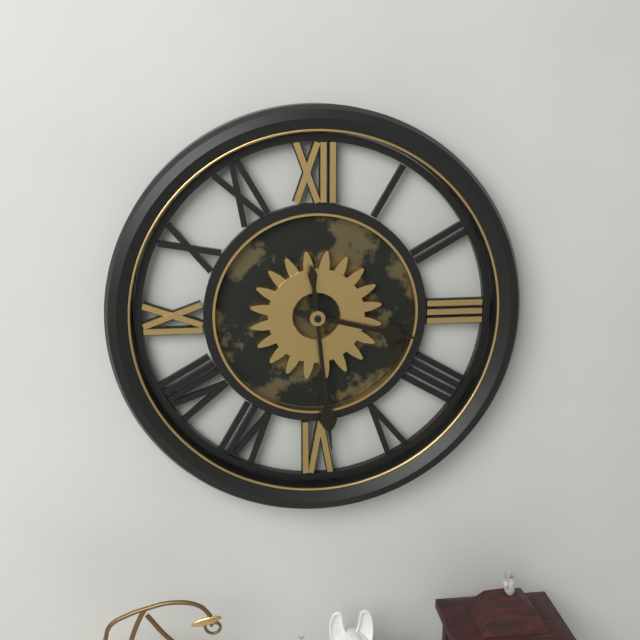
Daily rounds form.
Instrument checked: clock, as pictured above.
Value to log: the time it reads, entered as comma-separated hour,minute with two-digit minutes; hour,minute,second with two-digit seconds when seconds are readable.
3,29
